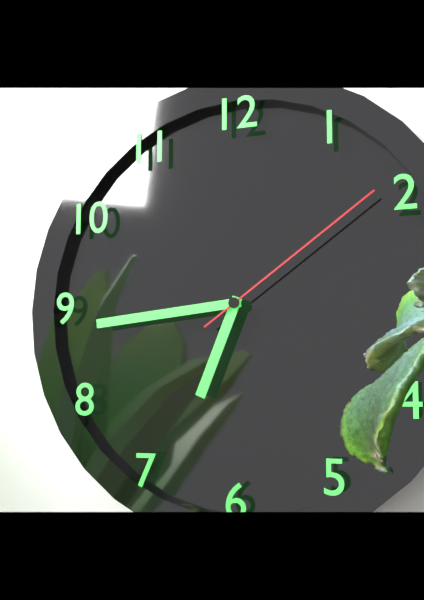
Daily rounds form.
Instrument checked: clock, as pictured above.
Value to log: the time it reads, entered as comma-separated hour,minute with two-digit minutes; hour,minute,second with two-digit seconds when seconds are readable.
6,44,09
